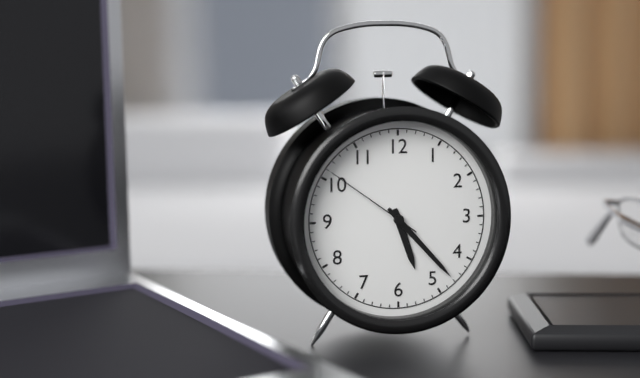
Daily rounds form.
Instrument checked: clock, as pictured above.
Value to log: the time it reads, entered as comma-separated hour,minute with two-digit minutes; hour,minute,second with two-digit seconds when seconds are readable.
5,23,51
